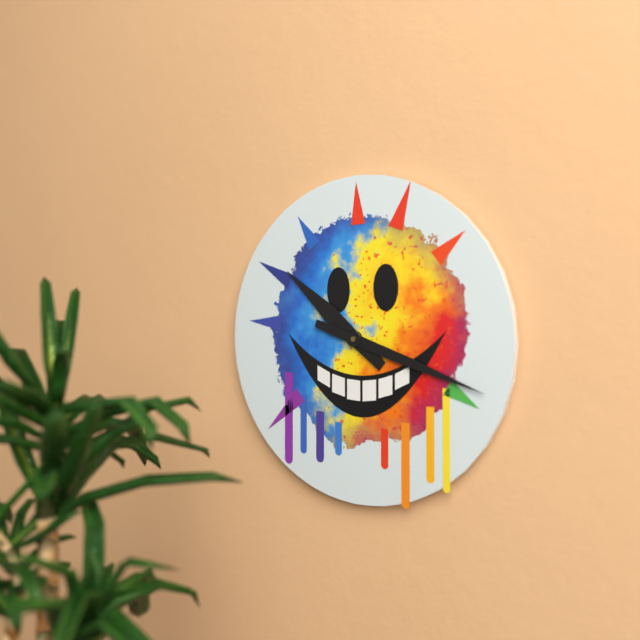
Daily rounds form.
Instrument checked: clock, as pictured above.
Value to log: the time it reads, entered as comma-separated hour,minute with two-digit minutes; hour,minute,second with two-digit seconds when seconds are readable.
10,18
